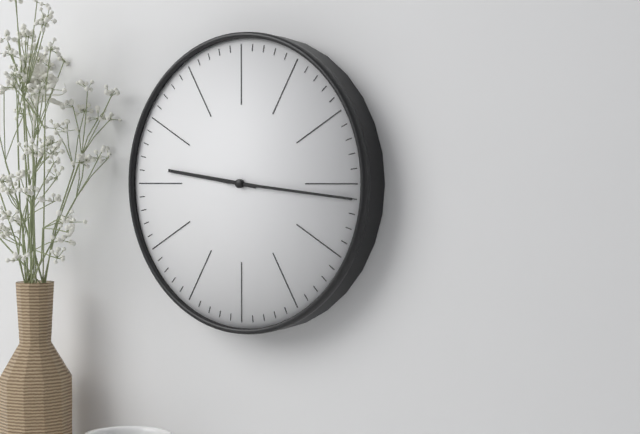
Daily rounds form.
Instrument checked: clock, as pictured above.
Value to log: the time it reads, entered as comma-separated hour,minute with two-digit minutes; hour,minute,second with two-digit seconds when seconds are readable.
9,16
